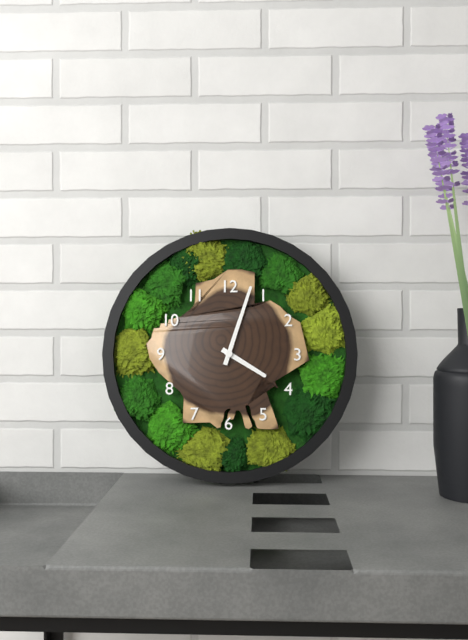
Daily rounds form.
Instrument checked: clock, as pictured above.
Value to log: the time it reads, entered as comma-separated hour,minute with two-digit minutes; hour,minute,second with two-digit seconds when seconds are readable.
4,03
